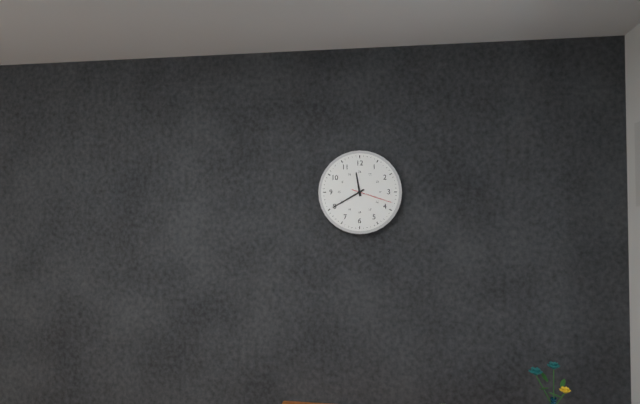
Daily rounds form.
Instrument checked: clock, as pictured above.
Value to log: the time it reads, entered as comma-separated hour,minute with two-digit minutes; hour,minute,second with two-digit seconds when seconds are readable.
11,40
